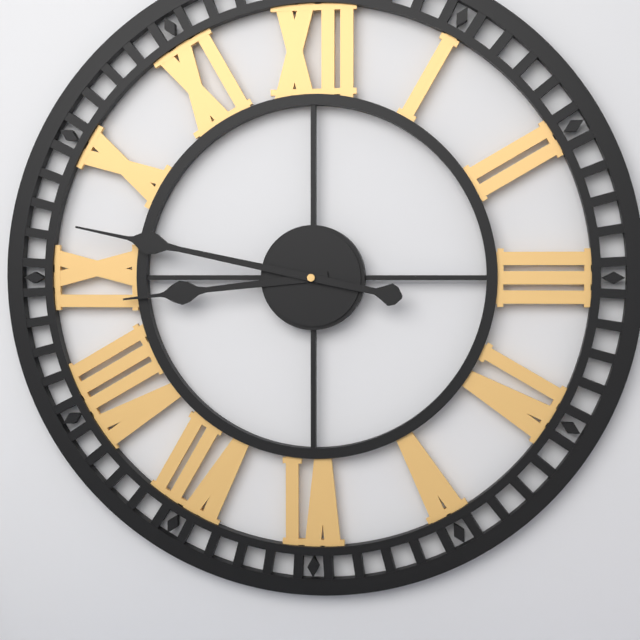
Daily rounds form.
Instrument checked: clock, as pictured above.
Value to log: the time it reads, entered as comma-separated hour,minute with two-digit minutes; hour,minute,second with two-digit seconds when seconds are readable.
8,47
